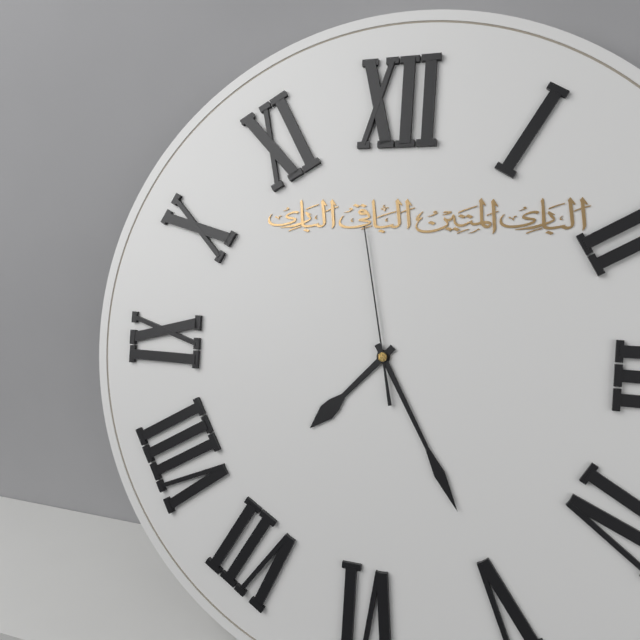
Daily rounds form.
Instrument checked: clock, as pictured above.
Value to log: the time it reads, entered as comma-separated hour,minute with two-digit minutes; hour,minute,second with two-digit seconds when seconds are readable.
7,25,58
